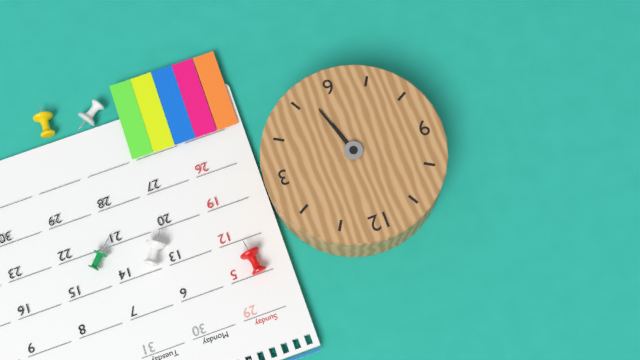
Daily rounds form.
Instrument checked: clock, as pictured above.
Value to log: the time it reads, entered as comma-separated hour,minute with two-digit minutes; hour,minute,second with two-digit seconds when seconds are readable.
5,27
